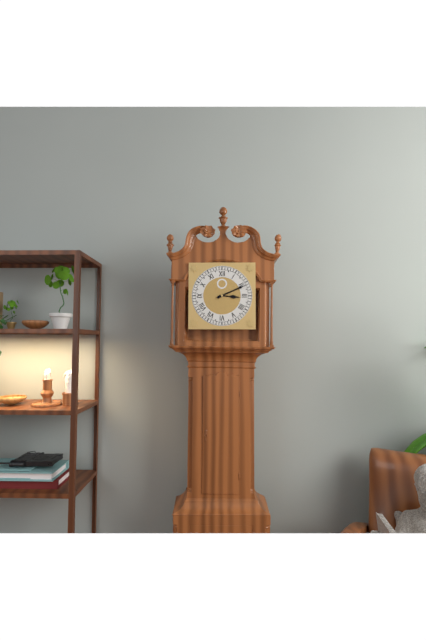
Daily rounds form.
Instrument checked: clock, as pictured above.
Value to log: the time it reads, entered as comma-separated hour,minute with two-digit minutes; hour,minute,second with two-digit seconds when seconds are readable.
3,11
